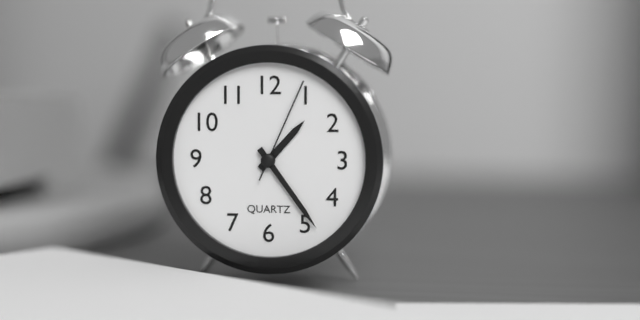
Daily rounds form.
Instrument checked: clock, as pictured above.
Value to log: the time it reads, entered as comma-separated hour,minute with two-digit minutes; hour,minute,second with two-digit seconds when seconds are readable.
1,24,04
